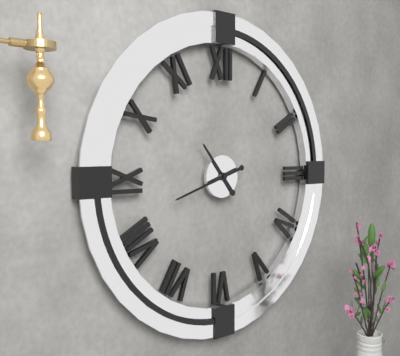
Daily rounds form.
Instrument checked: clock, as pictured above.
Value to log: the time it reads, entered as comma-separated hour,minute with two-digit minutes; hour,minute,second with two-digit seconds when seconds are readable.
10,42
